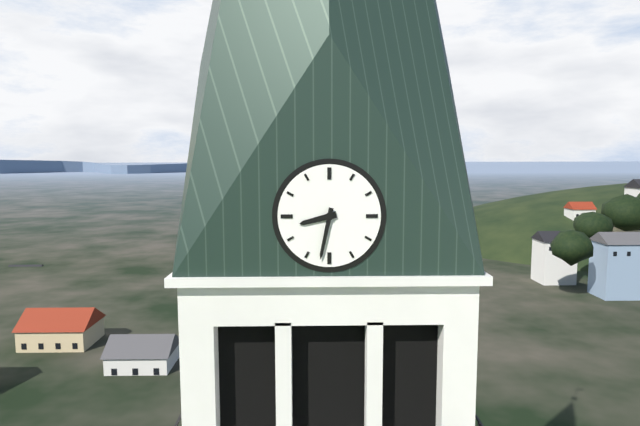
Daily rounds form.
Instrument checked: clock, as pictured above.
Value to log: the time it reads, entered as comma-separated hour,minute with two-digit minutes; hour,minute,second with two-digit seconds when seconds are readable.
8,32
